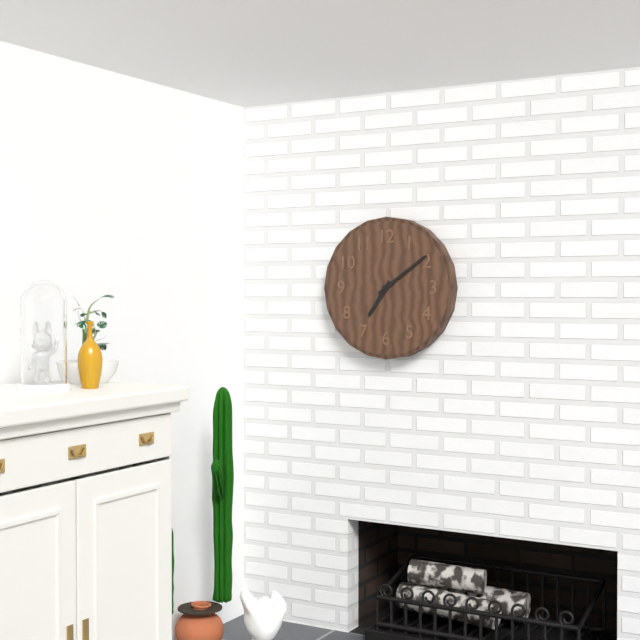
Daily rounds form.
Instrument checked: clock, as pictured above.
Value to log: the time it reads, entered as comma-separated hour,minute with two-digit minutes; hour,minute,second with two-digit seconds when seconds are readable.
7,09
